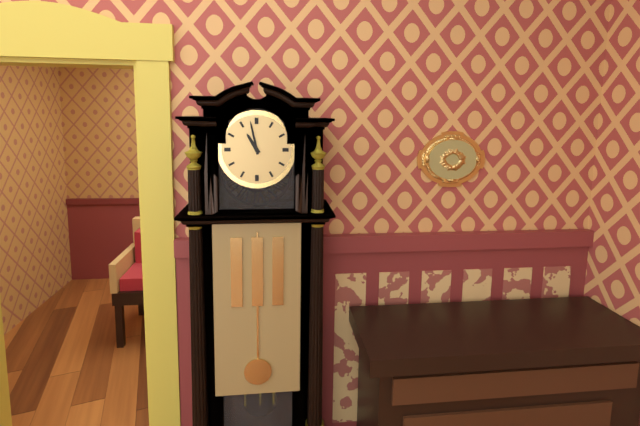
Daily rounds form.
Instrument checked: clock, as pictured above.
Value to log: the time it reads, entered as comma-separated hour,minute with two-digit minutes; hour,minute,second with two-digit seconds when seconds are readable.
10,58
